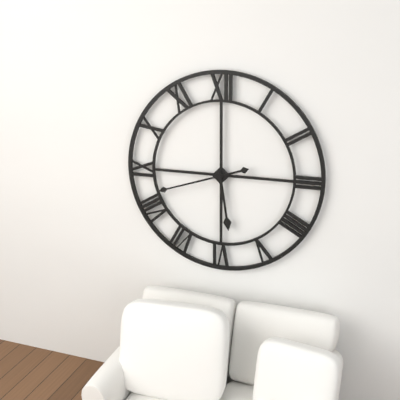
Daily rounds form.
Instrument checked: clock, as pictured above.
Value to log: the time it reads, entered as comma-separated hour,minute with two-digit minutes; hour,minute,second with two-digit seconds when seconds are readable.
5,42
